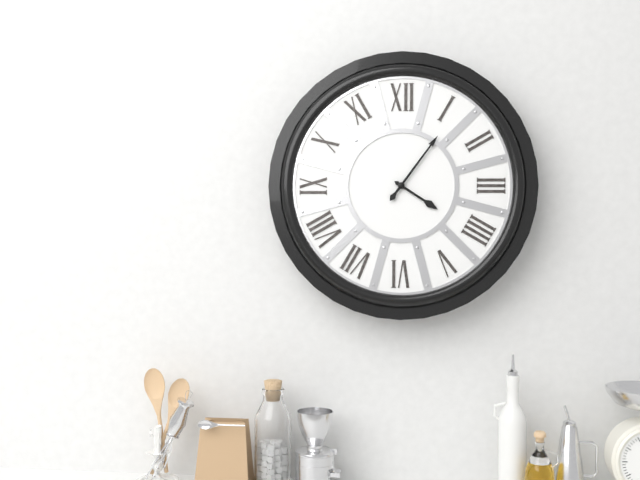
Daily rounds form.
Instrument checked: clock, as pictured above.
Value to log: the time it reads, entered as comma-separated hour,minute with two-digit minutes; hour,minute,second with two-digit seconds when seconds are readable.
4,06
